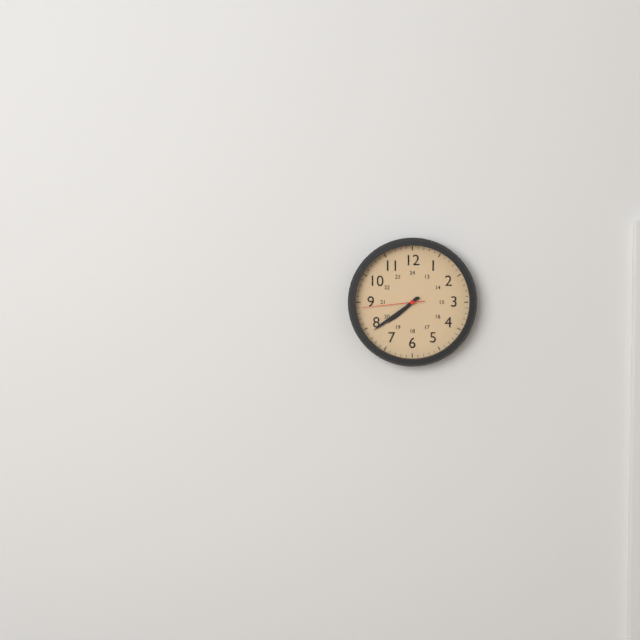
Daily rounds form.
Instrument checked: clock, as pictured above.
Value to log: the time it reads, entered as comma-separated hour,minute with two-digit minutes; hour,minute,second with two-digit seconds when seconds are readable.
7,39,44
